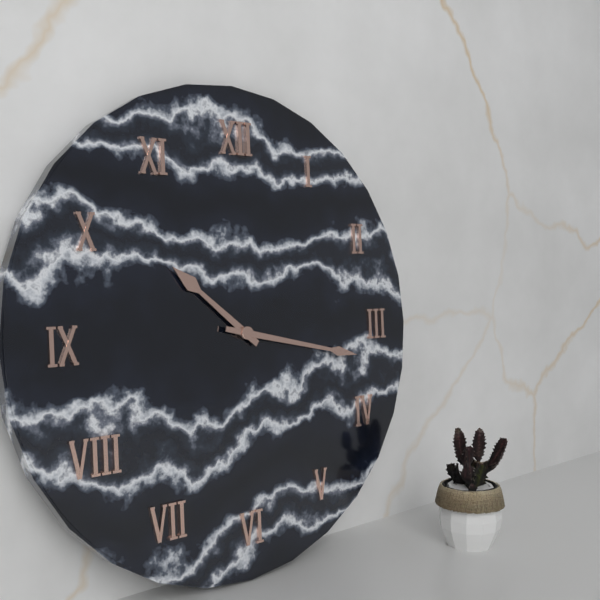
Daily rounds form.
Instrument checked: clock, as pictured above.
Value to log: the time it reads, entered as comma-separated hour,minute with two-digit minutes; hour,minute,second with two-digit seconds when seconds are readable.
10,17
